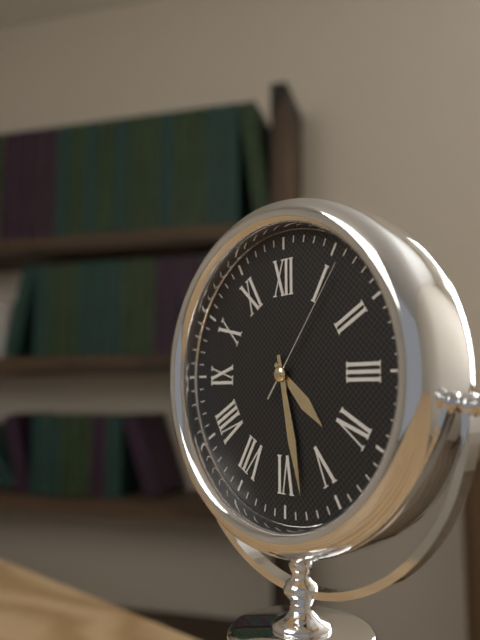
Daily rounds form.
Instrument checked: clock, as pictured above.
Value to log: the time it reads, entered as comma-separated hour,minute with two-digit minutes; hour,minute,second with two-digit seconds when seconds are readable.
4,28,06
